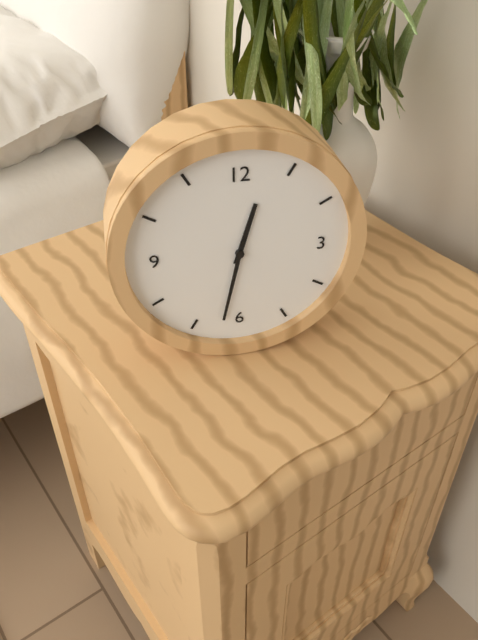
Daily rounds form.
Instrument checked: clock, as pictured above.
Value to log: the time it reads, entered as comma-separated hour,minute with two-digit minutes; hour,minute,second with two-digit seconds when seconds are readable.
12,32
